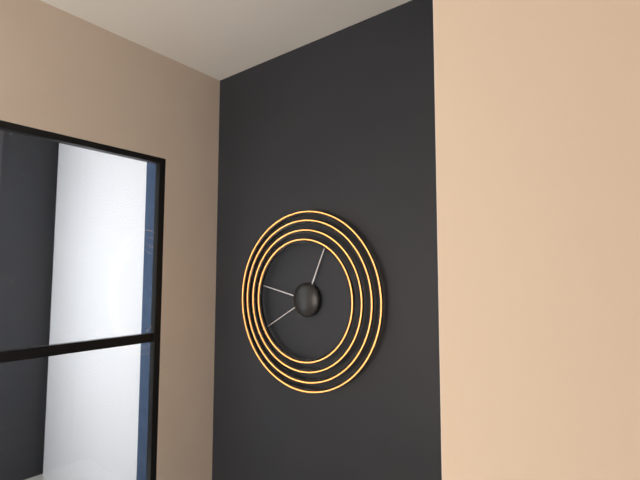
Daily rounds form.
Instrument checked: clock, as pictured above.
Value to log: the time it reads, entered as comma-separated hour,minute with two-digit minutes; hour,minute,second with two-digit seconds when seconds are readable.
12,47,40
